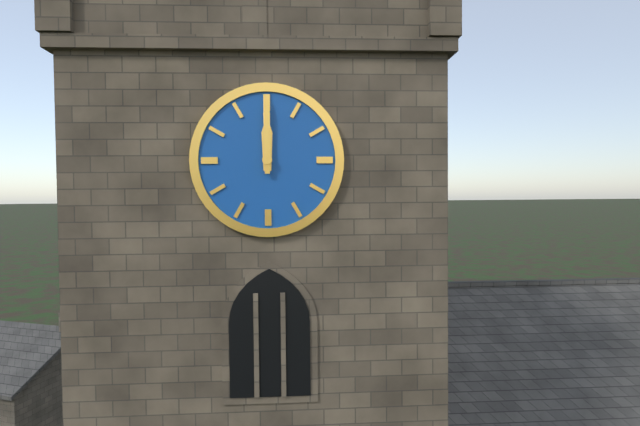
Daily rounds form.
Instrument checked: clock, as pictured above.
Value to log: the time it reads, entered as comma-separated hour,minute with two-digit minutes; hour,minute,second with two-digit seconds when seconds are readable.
12,00
